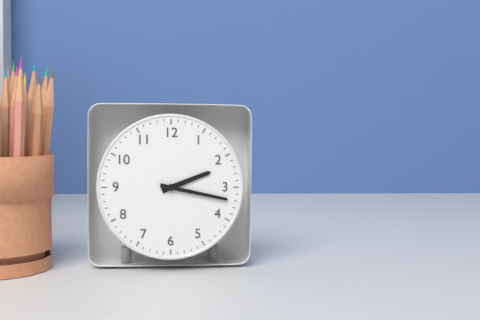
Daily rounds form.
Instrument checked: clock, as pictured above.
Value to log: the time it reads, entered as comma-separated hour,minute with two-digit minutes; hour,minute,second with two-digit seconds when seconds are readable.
2,17
